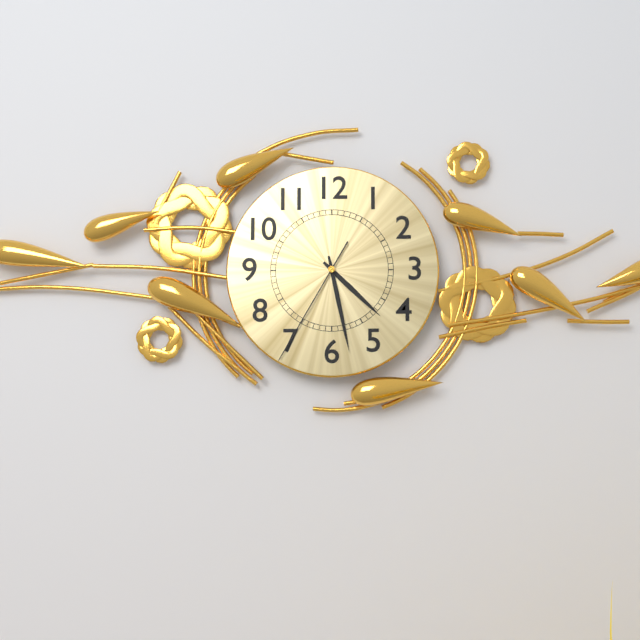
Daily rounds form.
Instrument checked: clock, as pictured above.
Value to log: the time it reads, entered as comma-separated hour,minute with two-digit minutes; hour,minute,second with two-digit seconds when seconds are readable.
4,28,35
